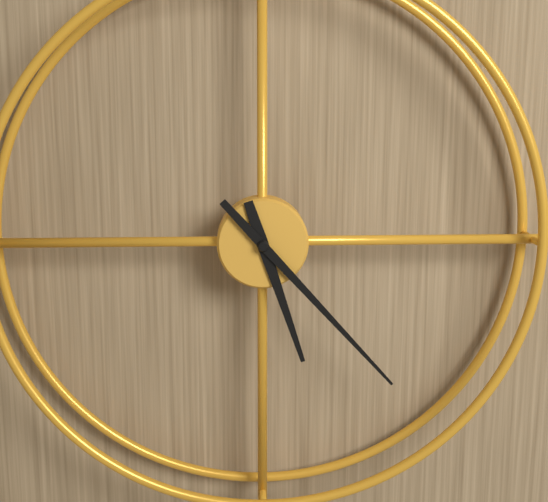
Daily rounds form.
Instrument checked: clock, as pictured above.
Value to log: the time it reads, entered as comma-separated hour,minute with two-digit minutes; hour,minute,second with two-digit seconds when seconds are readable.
5,23
